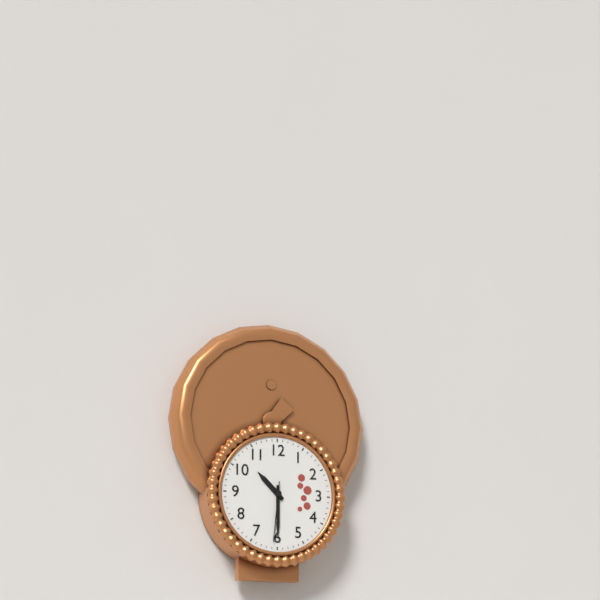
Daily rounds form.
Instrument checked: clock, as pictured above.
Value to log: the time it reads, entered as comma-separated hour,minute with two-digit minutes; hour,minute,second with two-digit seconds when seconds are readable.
10,30,31
